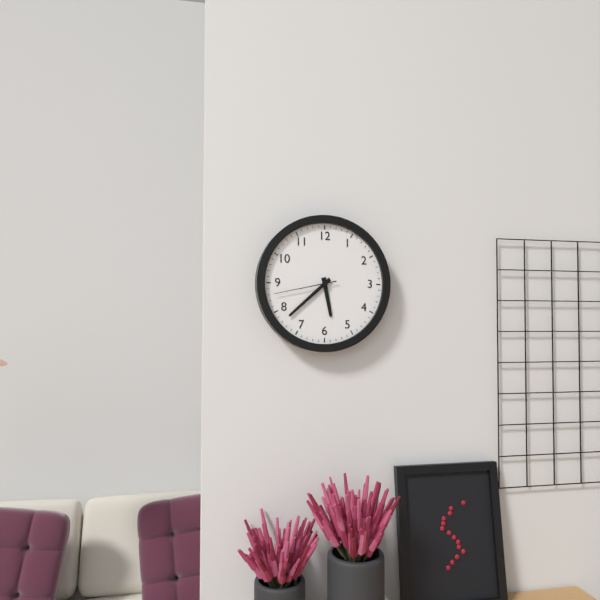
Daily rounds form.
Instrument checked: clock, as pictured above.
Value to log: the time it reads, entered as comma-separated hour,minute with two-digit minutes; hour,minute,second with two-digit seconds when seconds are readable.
5,38,43
